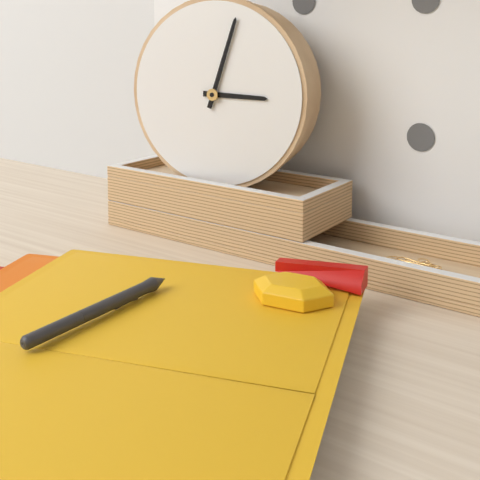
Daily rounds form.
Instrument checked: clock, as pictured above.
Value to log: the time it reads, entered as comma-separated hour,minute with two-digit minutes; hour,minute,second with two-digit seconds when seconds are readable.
3,03
